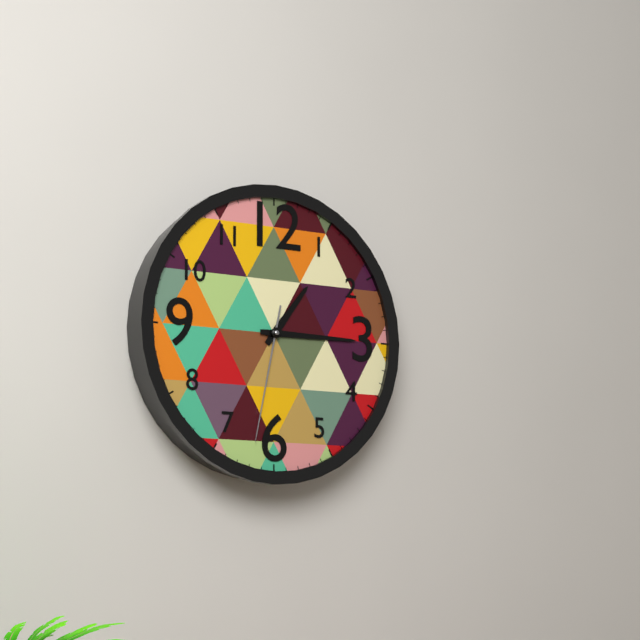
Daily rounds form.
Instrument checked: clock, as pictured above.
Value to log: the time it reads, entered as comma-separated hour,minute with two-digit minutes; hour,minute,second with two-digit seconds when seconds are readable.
1,15,32
